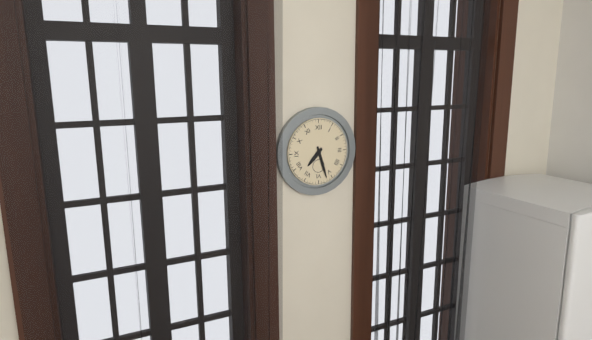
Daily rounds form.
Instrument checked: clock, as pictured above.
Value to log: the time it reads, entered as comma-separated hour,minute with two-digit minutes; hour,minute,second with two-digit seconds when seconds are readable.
7,27
